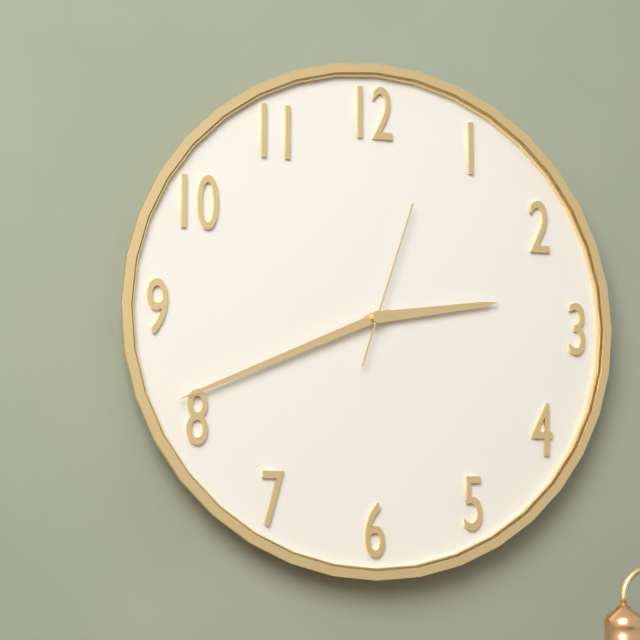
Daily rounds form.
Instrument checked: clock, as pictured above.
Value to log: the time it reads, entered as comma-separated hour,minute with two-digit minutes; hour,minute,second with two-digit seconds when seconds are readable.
2,41,03
